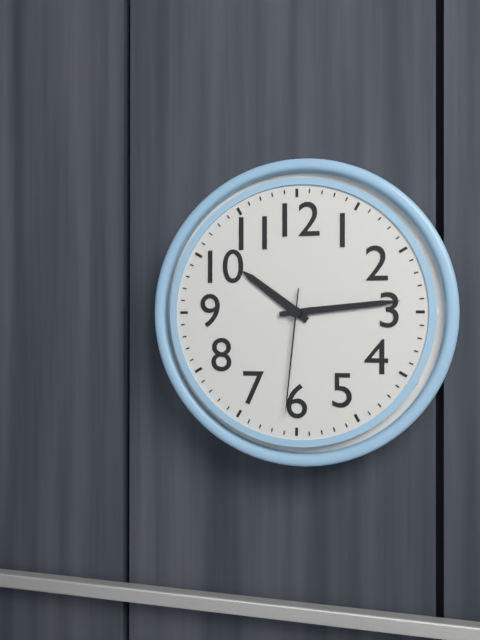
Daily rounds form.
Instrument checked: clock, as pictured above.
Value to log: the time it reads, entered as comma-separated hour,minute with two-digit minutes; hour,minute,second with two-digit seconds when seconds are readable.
10,14,31
